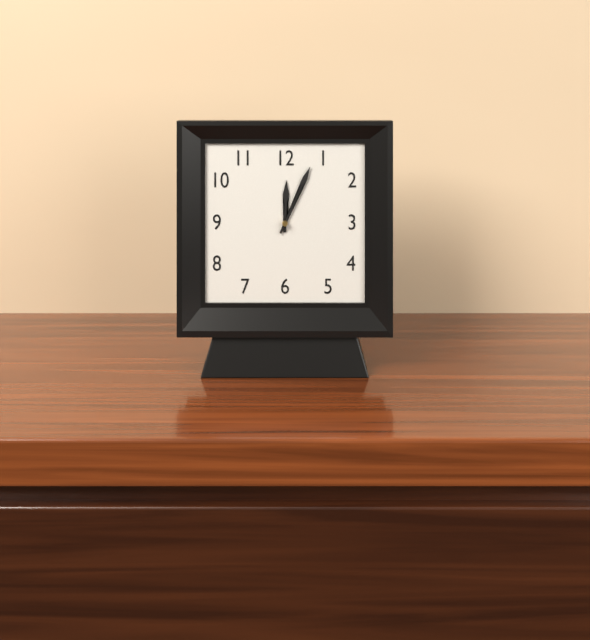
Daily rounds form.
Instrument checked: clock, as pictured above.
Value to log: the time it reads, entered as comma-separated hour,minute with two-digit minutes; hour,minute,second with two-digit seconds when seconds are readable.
12,04
